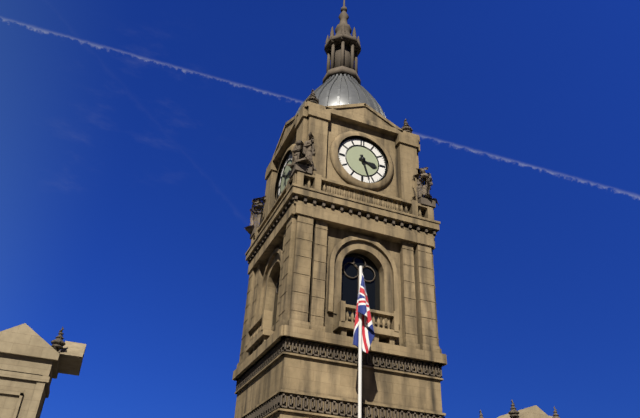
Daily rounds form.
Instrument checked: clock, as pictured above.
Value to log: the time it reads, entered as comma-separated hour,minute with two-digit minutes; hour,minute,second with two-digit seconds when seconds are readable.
3,27
